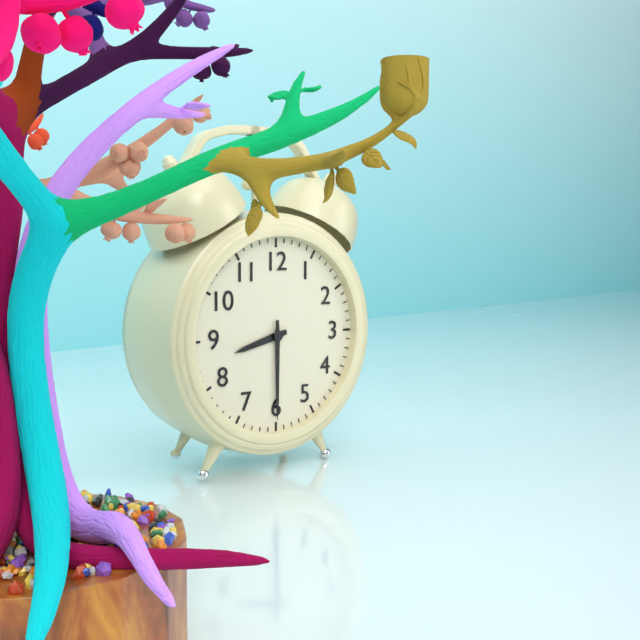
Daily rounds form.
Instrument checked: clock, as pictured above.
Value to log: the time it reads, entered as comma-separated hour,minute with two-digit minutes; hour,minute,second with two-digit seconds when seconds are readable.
8,30
